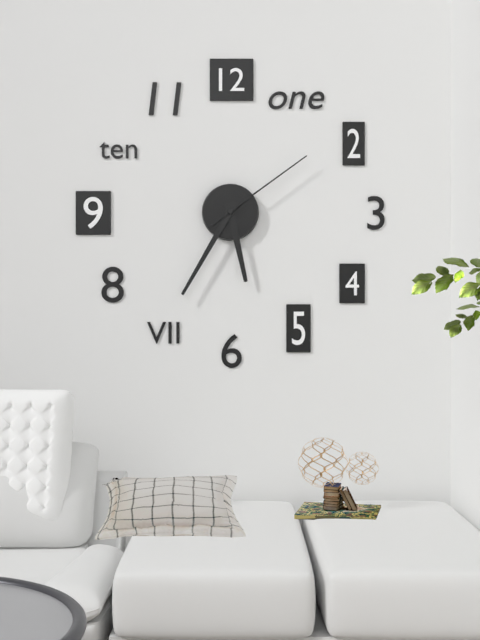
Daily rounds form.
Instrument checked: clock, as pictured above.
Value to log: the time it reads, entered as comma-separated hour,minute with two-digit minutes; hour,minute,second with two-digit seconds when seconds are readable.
5,35,09
